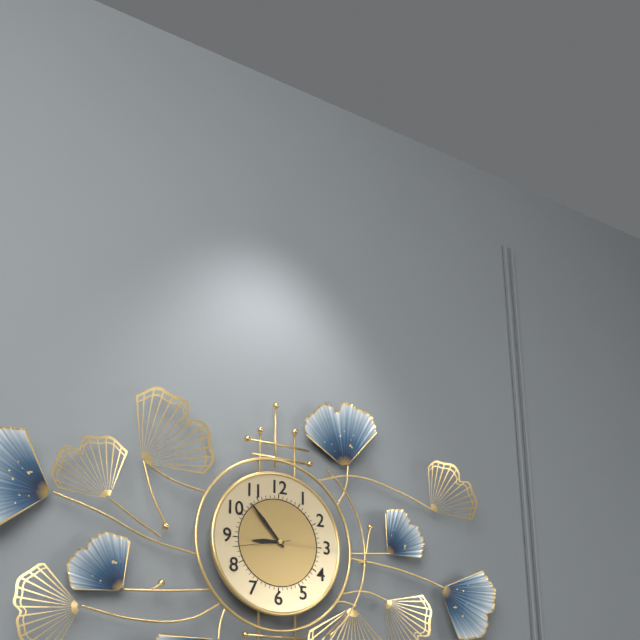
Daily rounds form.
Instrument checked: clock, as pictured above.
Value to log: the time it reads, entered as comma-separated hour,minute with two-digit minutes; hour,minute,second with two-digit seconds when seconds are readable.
8,53,43
